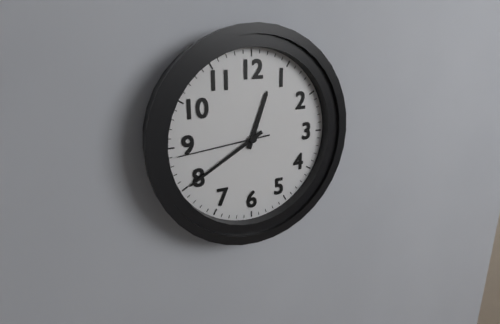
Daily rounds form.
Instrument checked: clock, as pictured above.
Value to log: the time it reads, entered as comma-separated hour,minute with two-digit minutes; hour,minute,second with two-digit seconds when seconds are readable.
12,40,44
